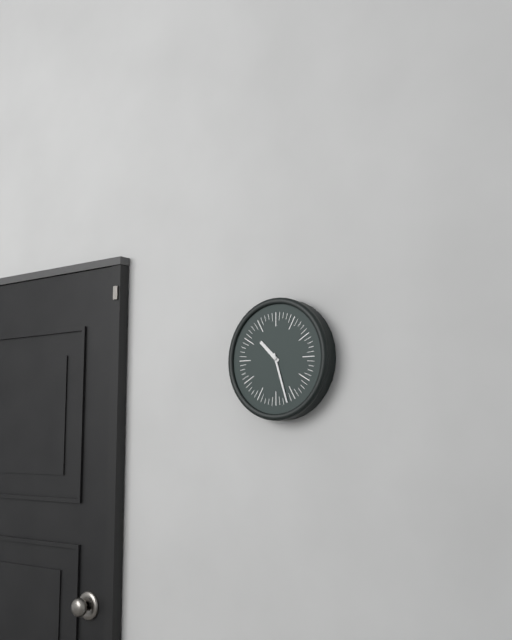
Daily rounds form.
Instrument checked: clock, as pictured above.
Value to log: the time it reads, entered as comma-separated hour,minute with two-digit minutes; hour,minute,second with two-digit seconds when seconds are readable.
10,27
